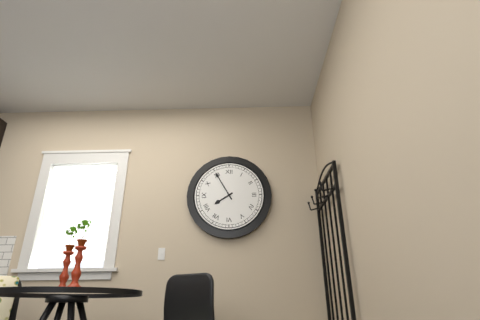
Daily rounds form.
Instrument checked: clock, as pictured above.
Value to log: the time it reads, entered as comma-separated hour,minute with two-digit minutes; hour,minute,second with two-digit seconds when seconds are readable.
7,55
